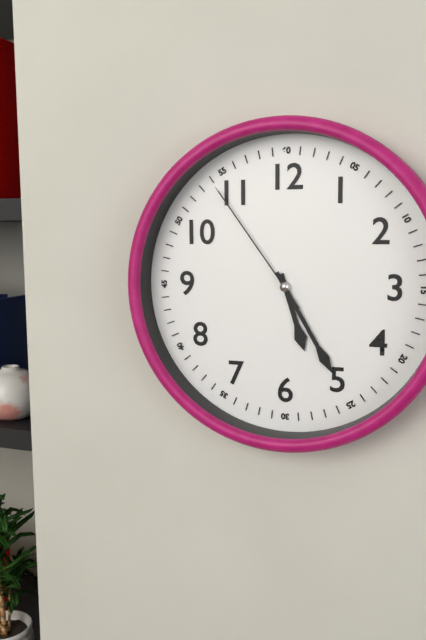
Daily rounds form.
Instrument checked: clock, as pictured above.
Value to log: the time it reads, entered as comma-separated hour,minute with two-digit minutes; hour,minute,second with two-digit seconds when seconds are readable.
5,25,54
